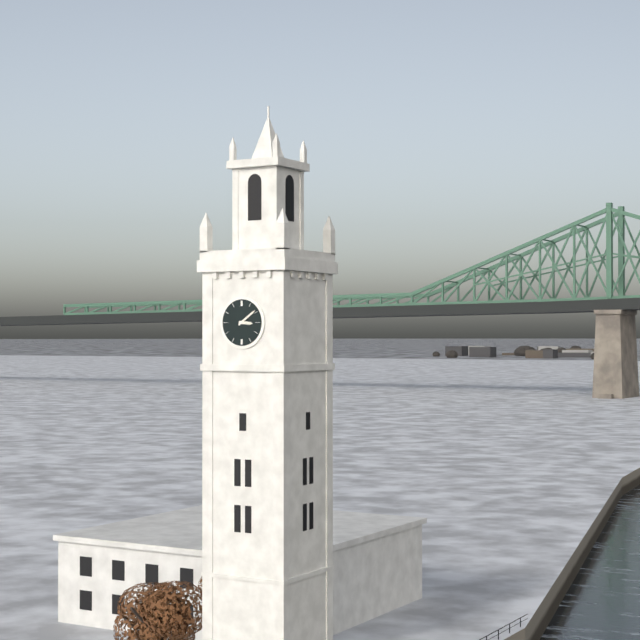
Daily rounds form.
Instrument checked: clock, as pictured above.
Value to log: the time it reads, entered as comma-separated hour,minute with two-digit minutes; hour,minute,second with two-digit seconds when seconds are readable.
3,09
